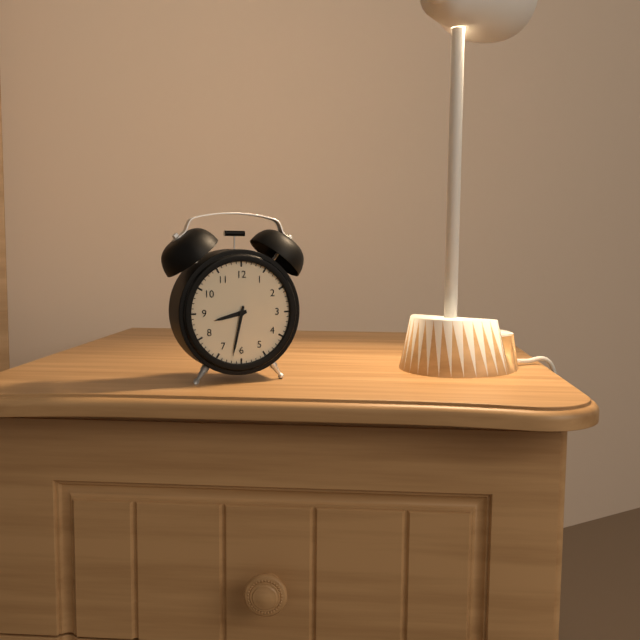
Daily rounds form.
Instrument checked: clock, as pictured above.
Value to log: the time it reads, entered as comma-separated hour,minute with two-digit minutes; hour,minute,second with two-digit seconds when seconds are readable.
8,32
